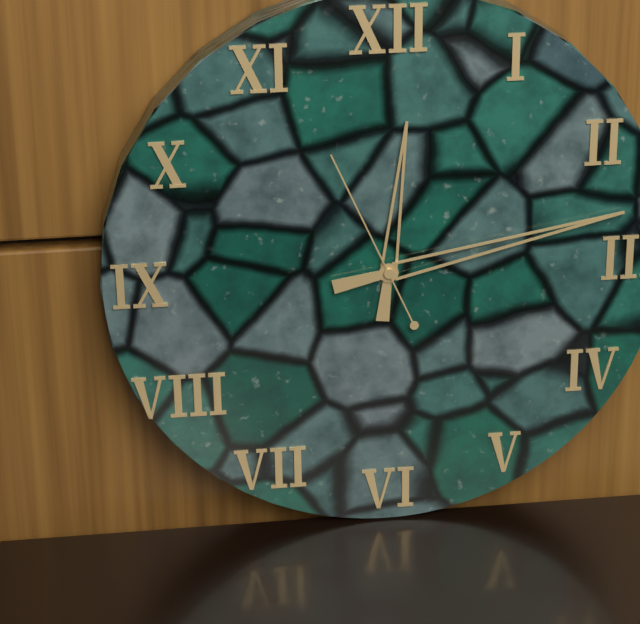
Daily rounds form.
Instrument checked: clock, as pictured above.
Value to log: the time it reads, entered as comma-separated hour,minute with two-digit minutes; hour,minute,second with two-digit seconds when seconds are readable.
12,13,56
